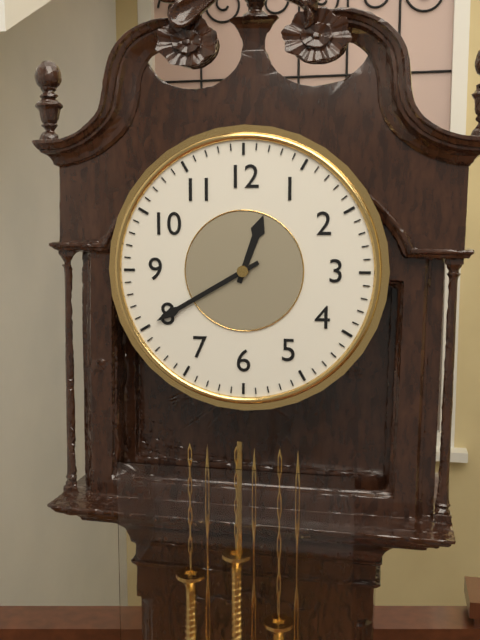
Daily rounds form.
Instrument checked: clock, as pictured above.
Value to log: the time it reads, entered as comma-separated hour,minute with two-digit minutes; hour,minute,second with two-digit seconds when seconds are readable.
12,40
